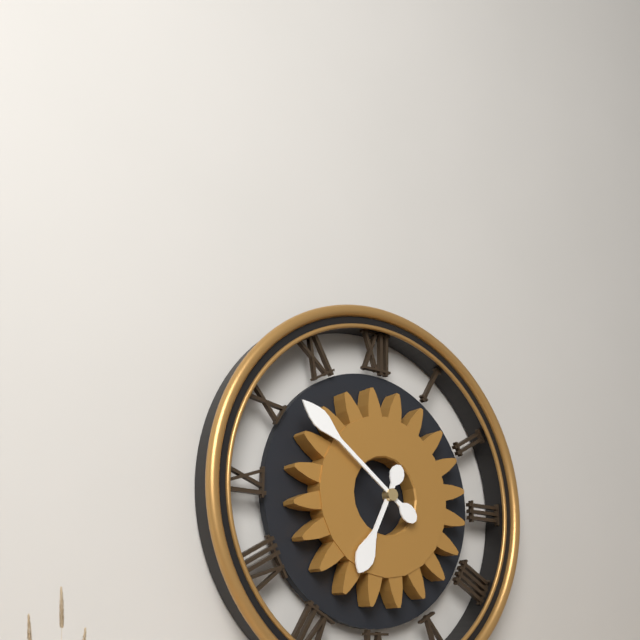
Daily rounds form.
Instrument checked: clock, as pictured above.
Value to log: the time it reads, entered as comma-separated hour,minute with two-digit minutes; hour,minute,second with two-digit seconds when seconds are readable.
6,51
